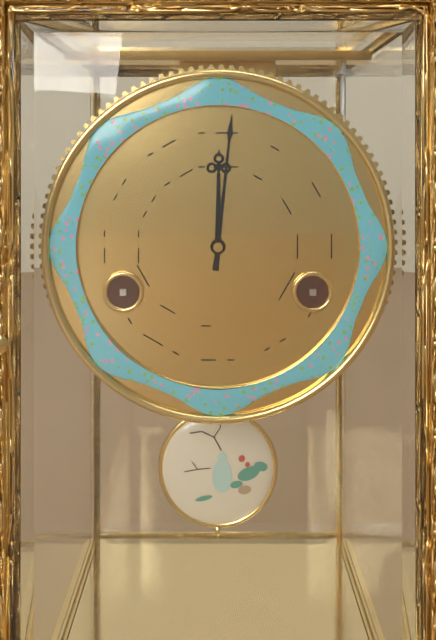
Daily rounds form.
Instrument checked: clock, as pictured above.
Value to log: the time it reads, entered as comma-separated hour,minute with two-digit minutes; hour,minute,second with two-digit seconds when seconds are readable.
12,01
